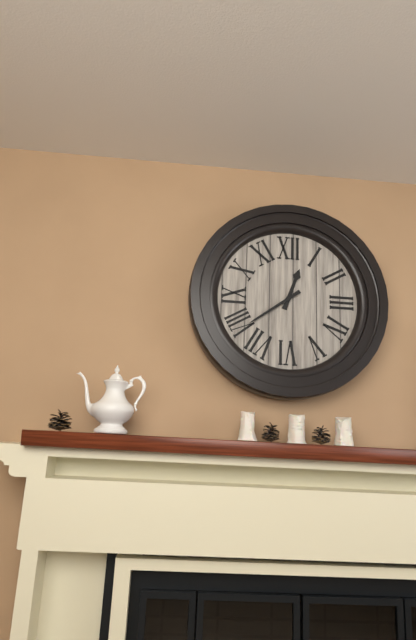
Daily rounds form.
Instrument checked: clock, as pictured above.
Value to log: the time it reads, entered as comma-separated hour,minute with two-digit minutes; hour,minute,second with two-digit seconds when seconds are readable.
12,39
